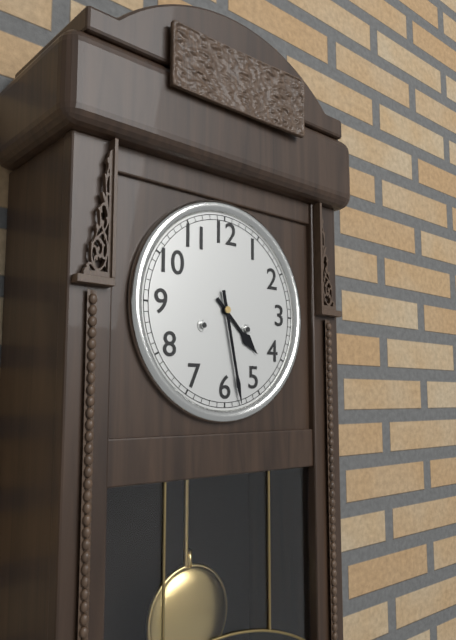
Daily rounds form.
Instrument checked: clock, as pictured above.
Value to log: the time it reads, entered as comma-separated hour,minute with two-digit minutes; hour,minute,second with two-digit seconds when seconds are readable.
4,28
